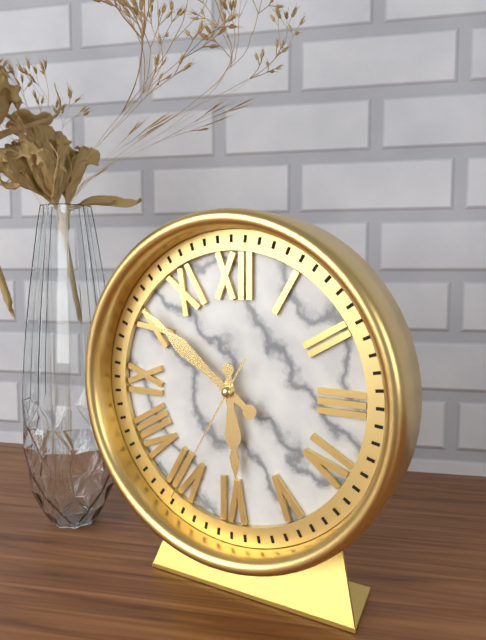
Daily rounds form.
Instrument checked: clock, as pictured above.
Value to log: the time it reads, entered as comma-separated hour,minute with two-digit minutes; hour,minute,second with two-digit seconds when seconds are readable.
5,51,35
